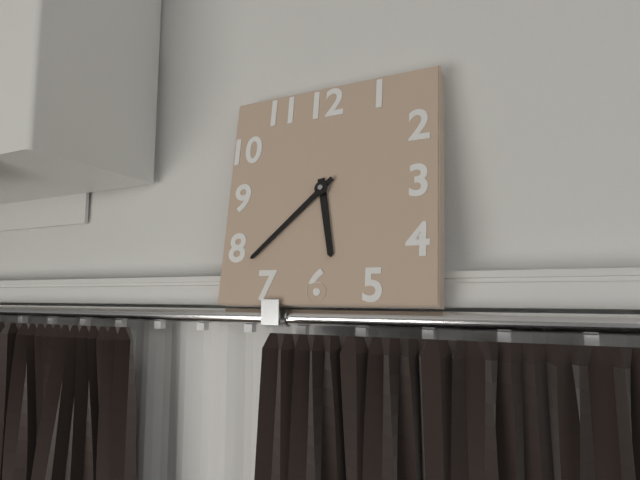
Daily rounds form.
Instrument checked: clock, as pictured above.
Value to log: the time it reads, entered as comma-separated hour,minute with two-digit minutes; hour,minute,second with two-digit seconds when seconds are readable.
5,38
